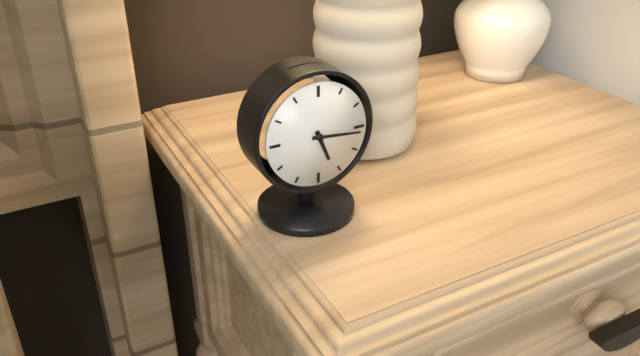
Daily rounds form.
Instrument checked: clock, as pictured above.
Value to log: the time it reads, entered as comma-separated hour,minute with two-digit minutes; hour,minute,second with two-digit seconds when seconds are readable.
5,16
